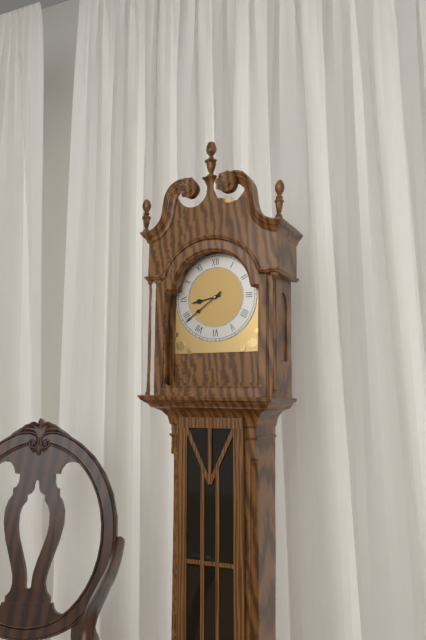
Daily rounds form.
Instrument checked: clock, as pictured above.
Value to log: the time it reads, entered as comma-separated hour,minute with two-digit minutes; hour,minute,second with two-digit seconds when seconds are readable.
8,39
